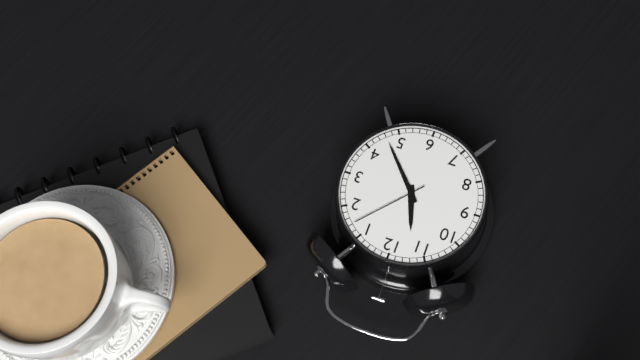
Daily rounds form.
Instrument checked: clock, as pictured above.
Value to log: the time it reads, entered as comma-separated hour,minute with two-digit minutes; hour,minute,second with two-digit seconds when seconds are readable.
11,23,07
